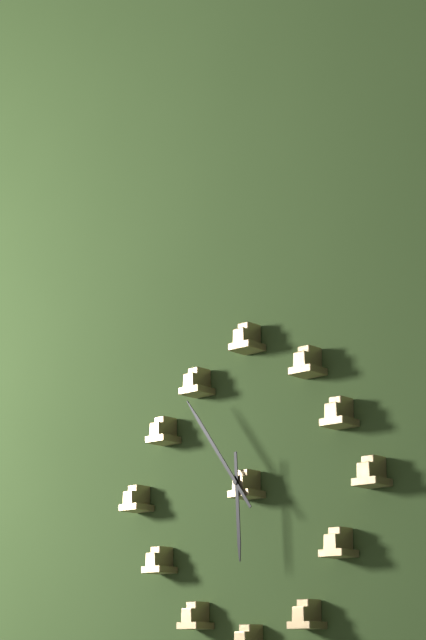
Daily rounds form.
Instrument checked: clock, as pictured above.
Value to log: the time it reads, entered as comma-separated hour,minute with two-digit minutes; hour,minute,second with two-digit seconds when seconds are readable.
5,54
